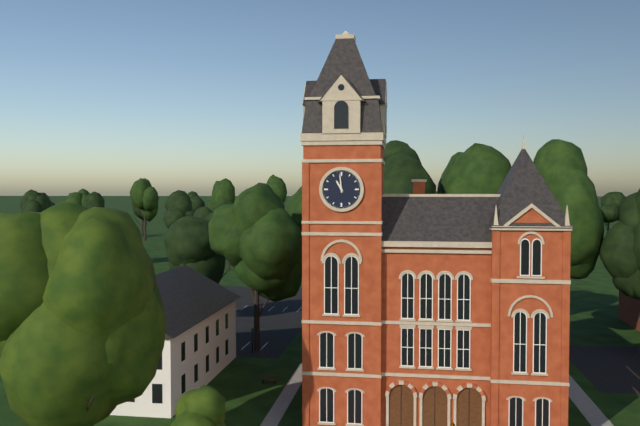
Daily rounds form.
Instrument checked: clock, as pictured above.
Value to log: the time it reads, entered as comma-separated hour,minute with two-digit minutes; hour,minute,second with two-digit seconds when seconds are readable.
10,59
